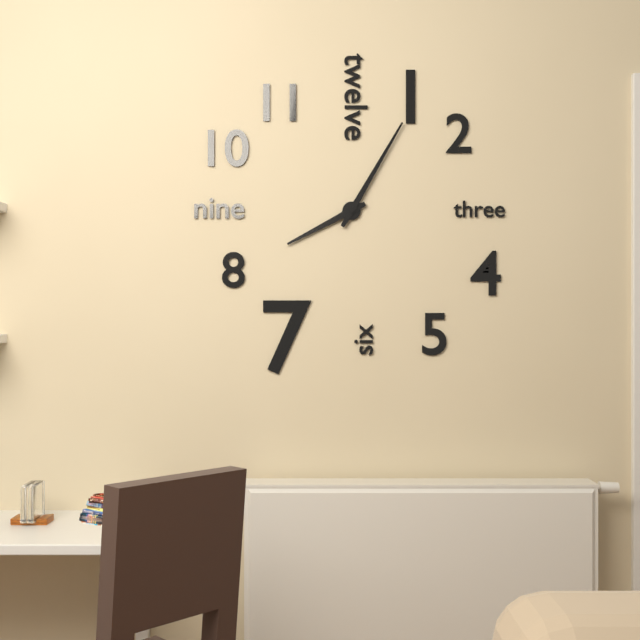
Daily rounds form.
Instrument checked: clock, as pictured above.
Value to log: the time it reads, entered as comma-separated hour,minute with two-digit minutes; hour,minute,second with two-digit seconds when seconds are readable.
8,05
